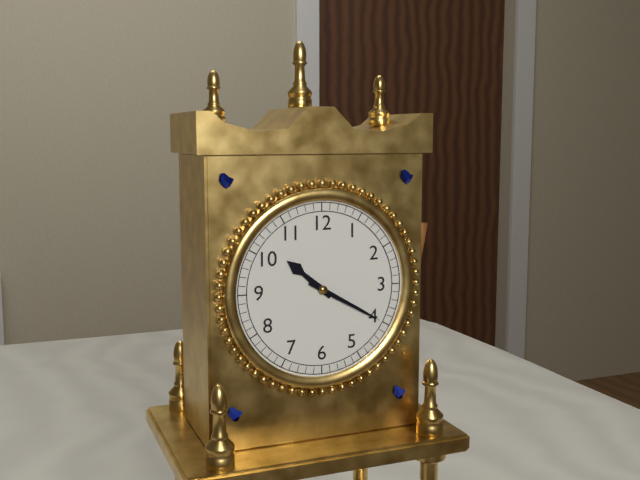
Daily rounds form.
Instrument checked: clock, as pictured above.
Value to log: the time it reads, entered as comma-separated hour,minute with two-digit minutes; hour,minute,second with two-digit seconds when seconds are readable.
10,20
